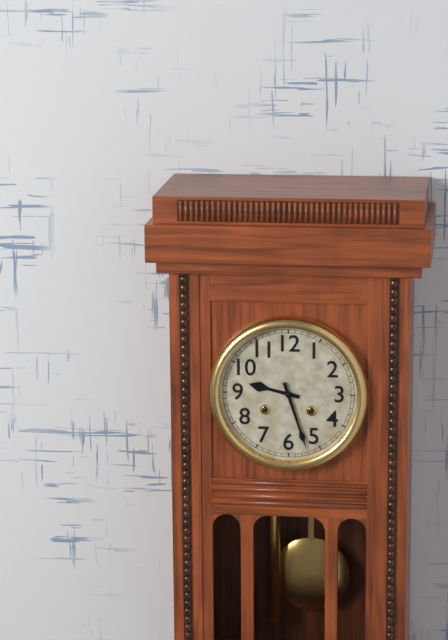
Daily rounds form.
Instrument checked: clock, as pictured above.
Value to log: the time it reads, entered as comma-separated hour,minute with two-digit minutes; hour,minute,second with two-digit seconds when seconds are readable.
9,27
